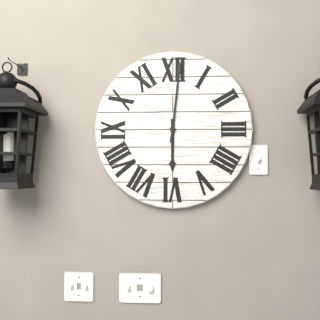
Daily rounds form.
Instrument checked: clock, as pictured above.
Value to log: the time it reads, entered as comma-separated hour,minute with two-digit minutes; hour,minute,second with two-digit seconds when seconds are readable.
6,01
